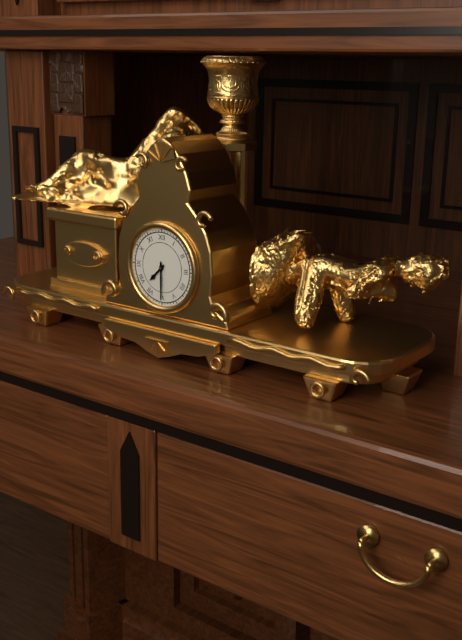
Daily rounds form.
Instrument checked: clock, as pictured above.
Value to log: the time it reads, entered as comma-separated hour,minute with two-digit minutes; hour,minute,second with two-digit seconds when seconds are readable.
7,30
